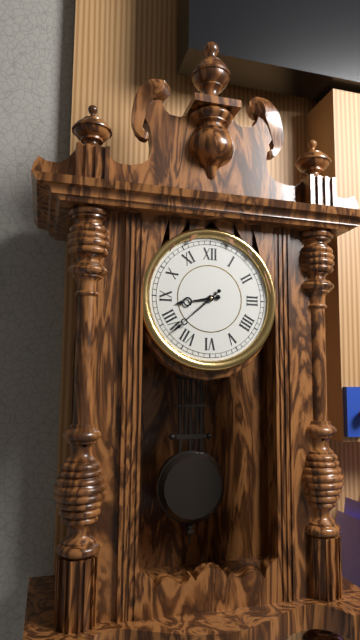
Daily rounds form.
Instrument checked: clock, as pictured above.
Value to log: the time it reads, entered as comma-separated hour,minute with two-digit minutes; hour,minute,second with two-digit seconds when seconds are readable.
8,38
